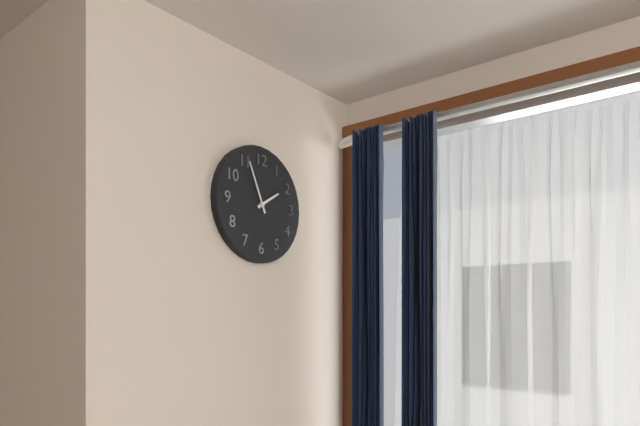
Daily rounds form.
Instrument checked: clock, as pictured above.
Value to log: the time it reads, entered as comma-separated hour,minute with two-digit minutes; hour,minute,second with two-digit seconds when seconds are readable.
1,56
